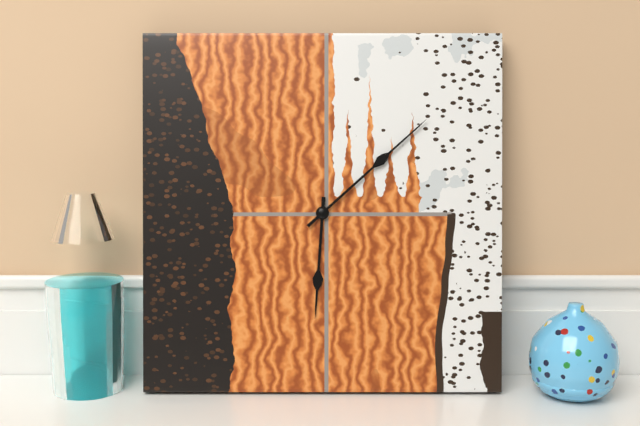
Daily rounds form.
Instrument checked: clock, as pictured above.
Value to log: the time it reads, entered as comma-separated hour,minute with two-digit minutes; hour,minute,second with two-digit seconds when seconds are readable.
6,08
